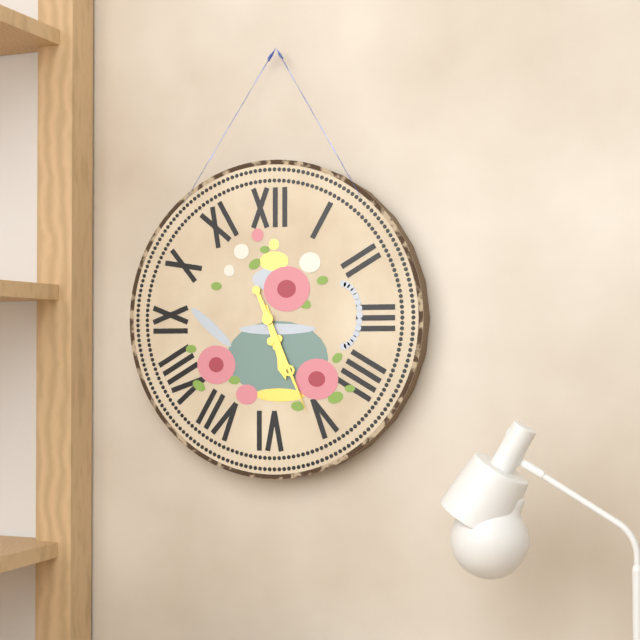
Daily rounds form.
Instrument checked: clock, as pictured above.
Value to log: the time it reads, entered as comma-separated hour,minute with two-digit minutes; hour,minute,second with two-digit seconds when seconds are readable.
5,26
